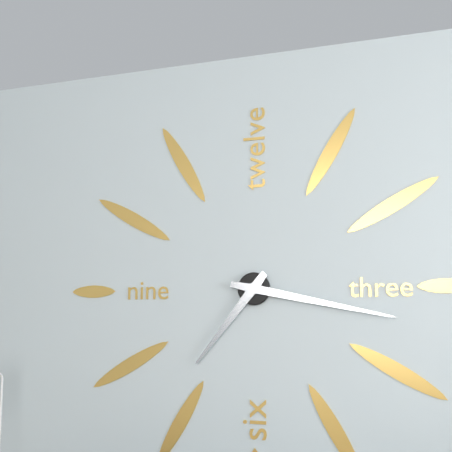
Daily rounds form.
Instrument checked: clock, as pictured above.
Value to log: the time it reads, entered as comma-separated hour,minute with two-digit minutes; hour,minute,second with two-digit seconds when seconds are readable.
7,17
